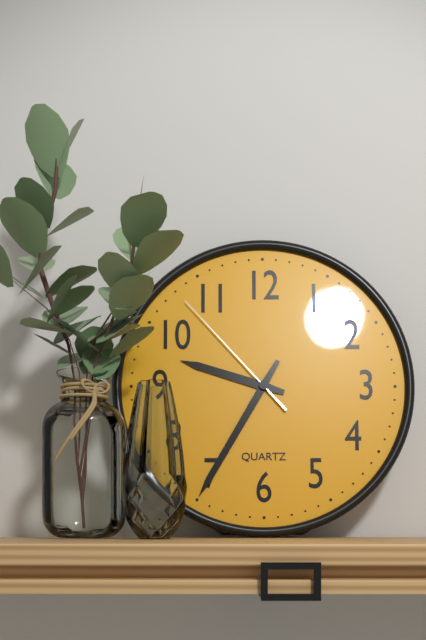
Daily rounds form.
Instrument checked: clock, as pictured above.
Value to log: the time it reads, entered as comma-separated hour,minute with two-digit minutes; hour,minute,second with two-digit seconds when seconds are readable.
9,35,53
